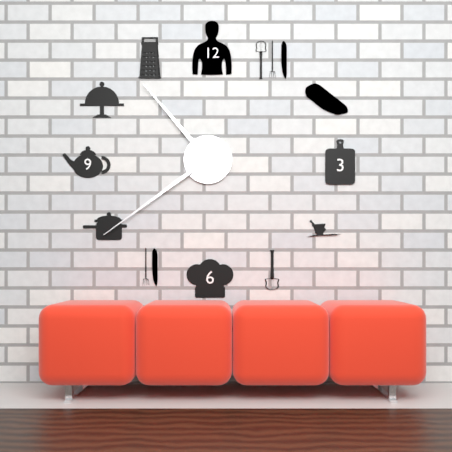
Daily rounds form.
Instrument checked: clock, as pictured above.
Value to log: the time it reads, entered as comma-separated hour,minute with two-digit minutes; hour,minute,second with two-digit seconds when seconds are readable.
10,39
